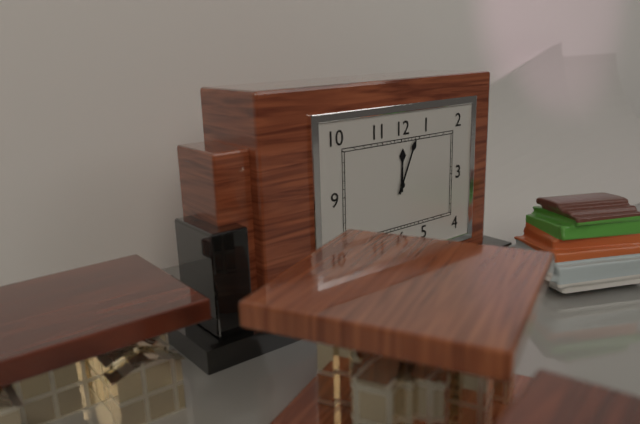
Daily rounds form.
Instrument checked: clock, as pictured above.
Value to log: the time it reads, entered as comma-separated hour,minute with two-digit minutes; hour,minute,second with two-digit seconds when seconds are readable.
12,04
